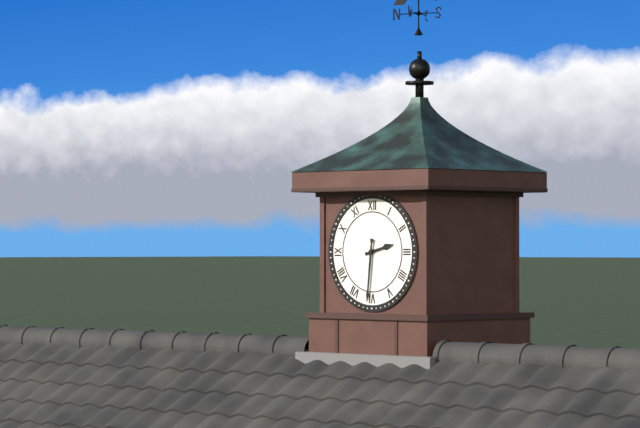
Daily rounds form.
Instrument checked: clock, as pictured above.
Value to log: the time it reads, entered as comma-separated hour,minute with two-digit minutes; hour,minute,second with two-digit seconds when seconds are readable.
2,31
